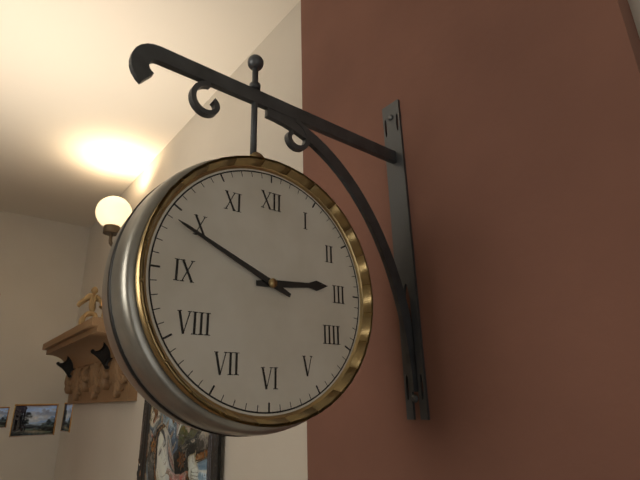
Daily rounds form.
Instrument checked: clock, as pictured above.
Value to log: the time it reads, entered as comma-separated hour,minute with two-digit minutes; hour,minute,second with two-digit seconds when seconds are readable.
2,49
